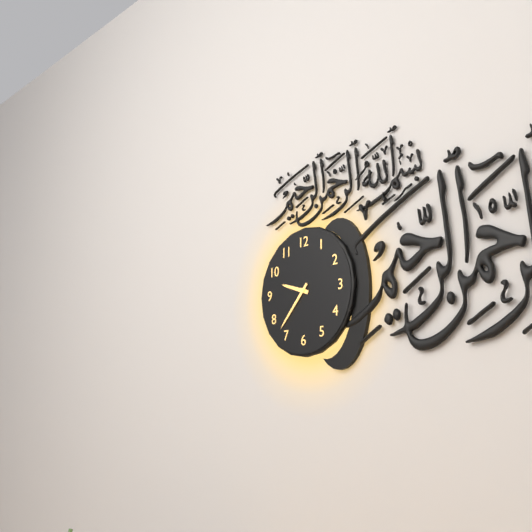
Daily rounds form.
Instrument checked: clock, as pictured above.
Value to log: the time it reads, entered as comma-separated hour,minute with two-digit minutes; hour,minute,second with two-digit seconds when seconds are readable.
9,37
